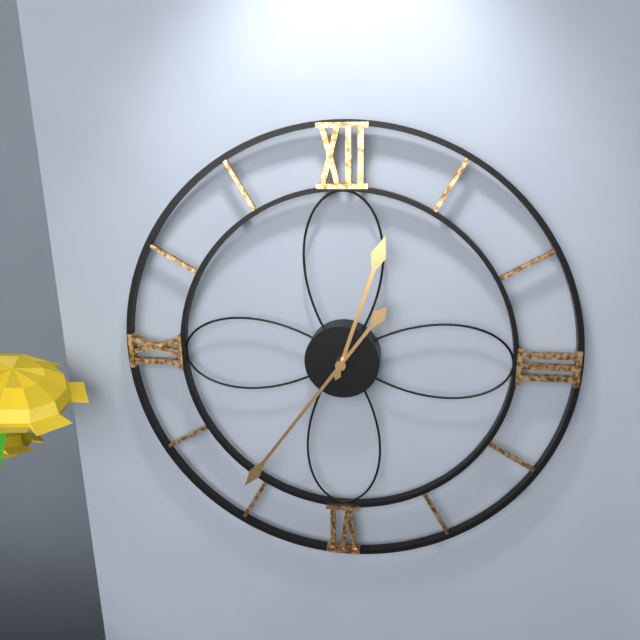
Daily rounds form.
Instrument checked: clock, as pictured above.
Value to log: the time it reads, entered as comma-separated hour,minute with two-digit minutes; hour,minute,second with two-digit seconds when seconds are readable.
12,36
